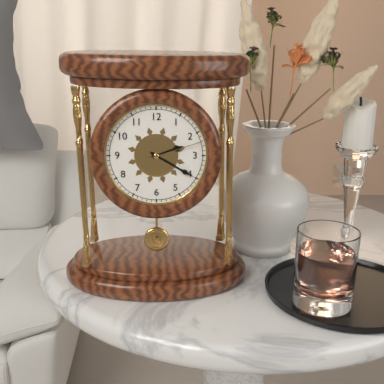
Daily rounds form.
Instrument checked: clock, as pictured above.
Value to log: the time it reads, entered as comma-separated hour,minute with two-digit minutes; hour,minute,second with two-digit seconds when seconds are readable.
2,20,12
